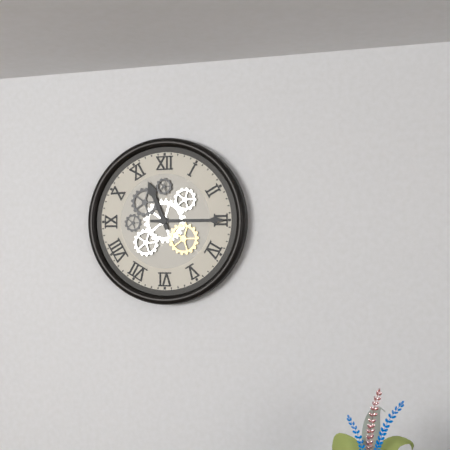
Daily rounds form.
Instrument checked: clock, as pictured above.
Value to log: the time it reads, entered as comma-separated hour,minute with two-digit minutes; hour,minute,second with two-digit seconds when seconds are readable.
11,15
